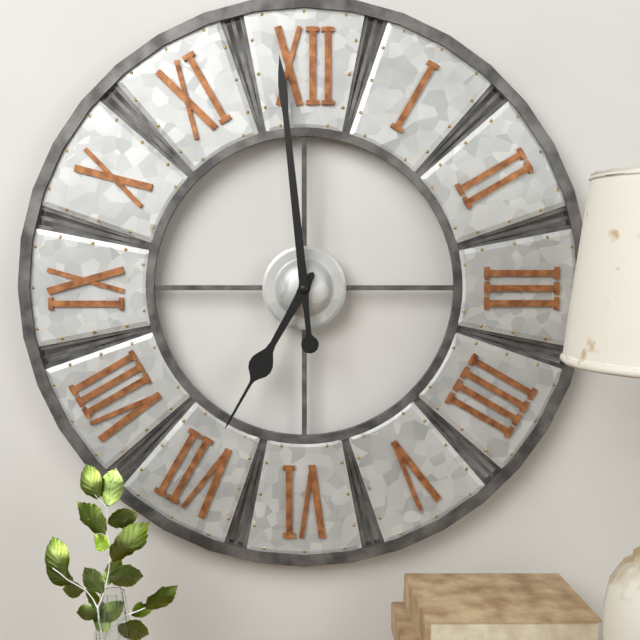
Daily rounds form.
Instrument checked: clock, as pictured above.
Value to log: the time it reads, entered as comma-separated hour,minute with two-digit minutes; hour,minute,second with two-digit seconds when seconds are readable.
6,59
